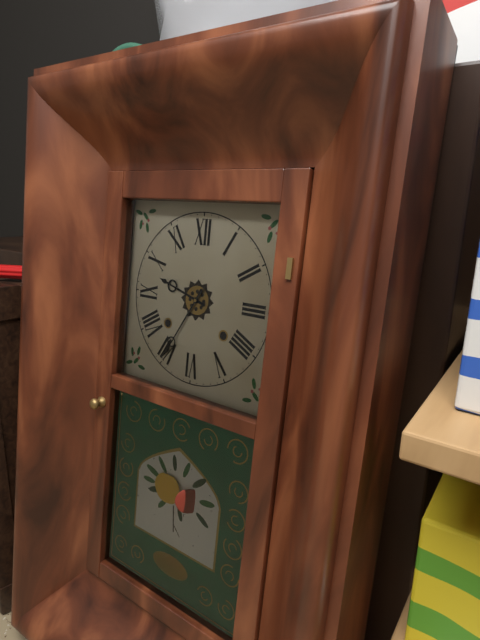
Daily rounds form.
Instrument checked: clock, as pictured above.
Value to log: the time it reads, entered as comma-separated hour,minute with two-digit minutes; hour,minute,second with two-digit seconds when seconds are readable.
9,35
